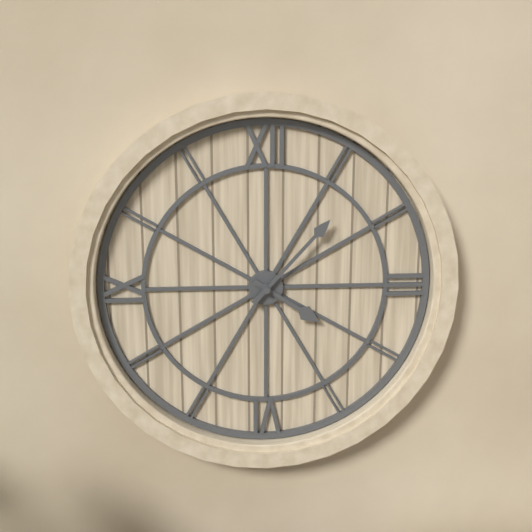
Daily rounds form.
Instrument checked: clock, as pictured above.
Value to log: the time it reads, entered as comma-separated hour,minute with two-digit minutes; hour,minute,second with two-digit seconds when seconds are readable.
4,07
